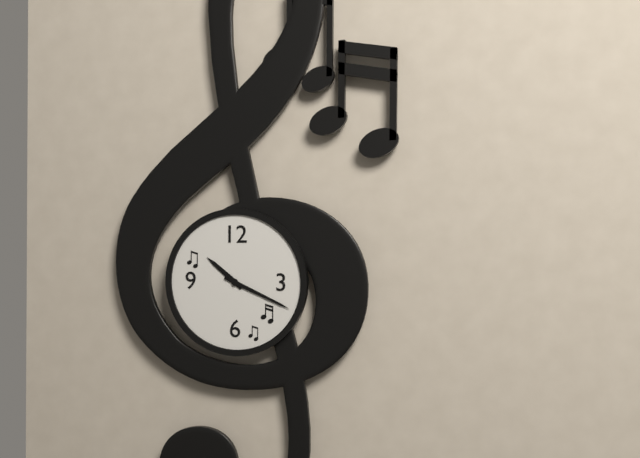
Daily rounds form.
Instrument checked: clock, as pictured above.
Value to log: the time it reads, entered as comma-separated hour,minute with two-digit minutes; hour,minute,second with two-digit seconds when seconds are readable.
10,19
